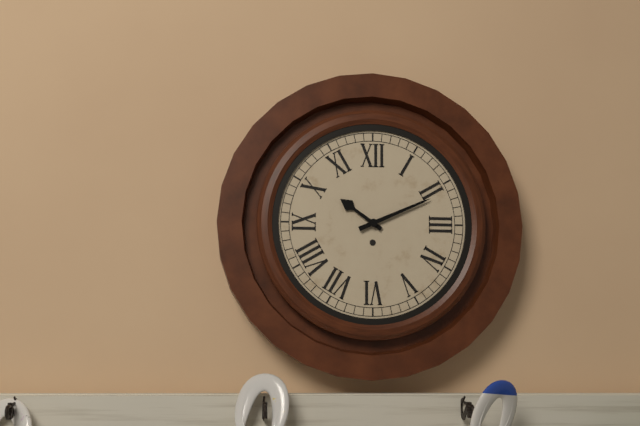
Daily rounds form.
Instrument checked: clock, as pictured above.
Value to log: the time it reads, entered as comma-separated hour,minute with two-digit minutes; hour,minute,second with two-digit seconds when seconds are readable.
10,11
